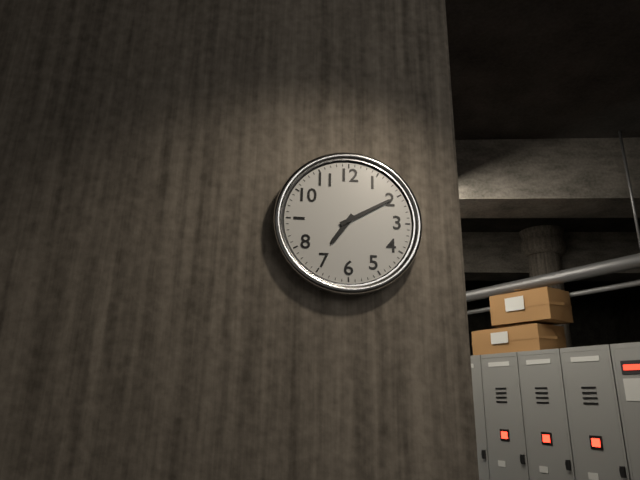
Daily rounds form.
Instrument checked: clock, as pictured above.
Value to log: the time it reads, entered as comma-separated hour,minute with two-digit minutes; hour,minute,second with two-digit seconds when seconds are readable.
7,10
